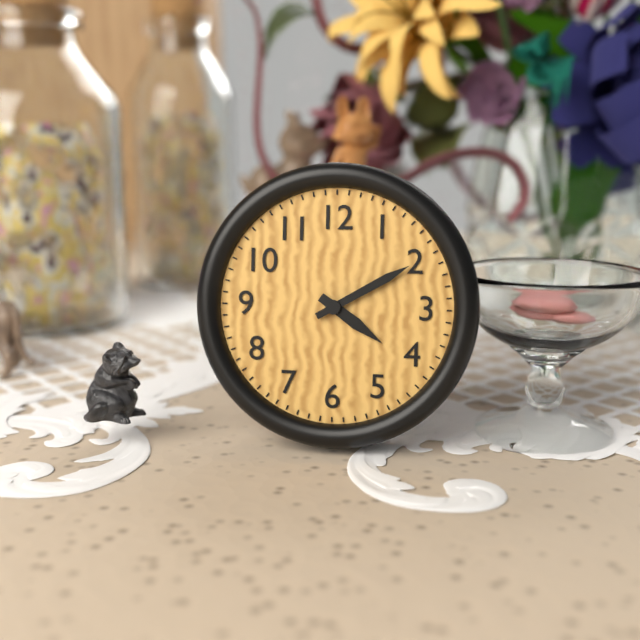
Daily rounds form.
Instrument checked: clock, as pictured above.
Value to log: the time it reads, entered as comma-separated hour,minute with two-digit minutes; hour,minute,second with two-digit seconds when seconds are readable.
4,10
